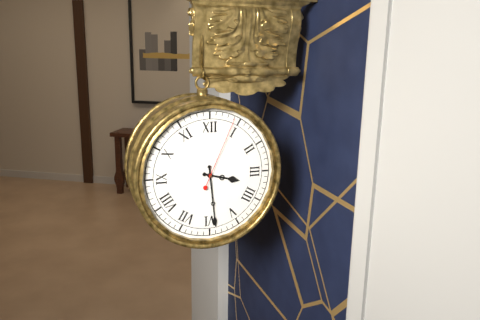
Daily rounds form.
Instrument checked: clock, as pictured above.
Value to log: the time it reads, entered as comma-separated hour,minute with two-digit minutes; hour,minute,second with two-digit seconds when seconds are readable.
3,29,04
